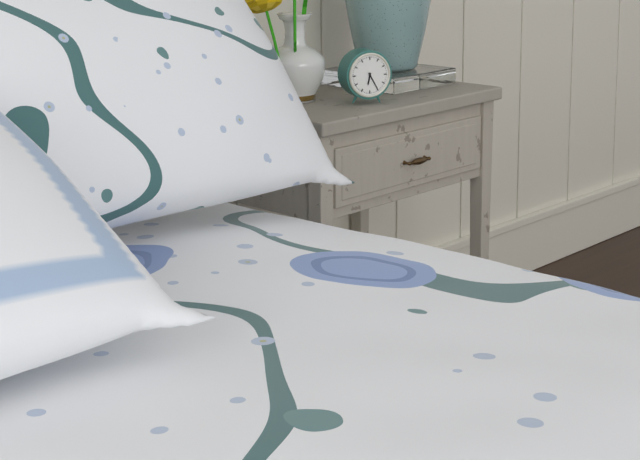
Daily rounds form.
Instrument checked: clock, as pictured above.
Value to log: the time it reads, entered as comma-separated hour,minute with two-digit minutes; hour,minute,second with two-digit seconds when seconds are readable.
6,25
